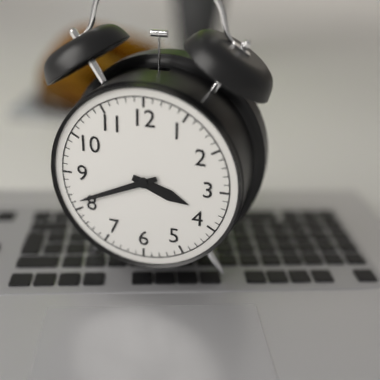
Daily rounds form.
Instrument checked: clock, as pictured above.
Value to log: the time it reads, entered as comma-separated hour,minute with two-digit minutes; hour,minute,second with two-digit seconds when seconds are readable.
3,41
